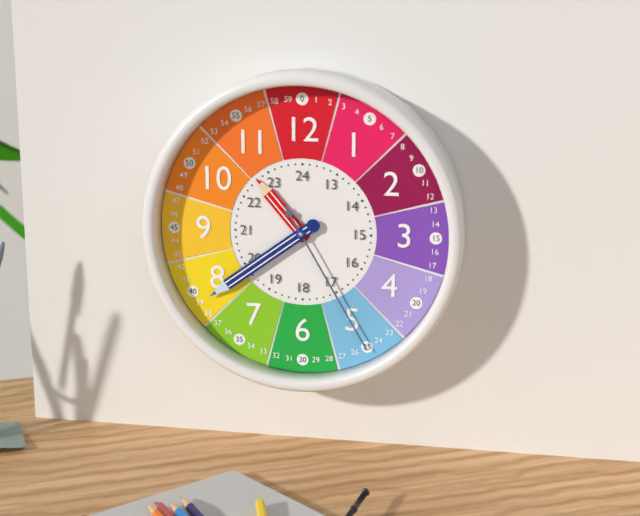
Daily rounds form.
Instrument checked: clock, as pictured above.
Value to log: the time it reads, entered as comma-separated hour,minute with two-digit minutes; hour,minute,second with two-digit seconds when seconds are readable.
10,39,25
